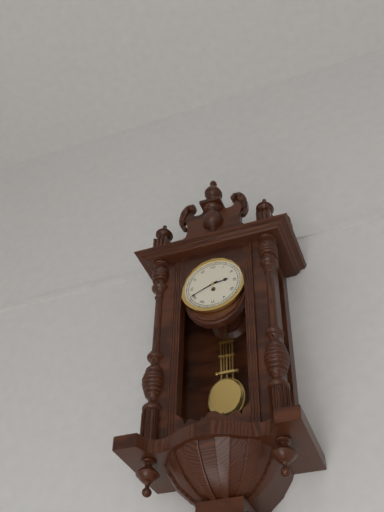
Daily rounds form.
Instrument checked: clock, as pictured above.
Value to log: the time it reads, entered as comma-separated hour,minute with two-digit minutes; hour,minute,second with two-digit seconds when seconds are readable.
2,41
